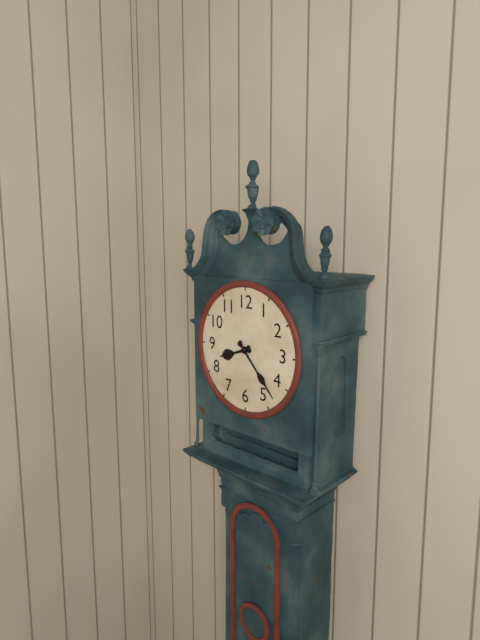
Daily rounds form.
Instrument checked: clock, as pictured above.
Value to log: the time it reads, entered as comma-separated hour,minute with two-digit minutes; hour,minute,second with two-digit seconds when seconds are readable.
8,23
